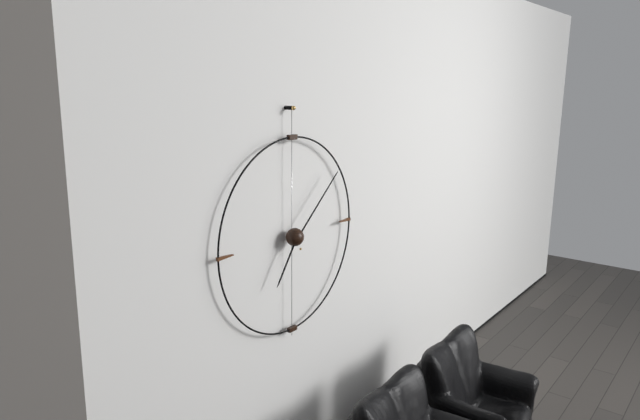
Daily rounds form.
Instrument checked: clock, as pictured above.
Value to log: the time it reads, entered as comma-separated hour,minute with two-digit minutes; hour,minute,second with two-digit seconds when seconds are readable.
7,08
